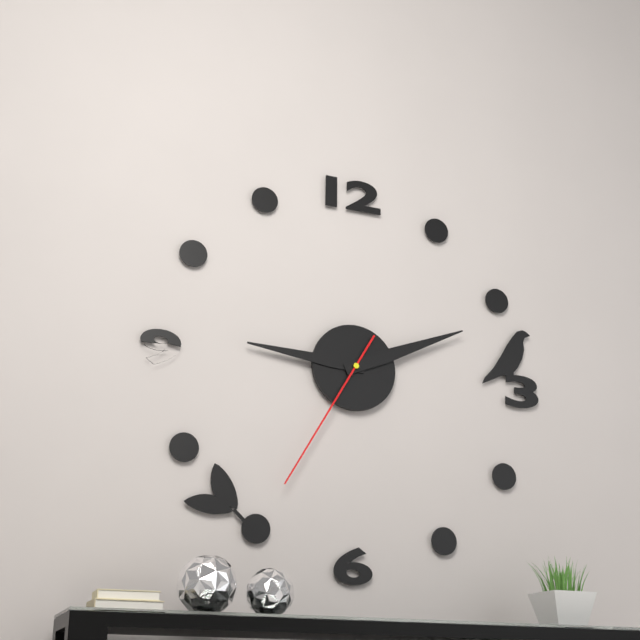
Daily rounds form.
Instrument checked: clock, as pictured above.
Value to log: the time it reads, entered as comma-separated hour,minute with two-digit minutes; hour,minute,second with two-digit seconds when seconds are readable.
9,11,35
